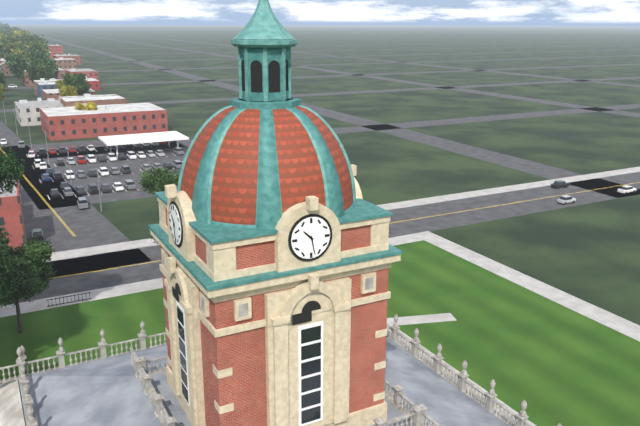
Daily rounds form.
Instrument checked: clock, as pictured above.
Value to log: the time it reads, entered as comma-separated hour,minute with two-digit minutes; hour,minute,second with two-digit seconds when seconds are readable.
10,28
